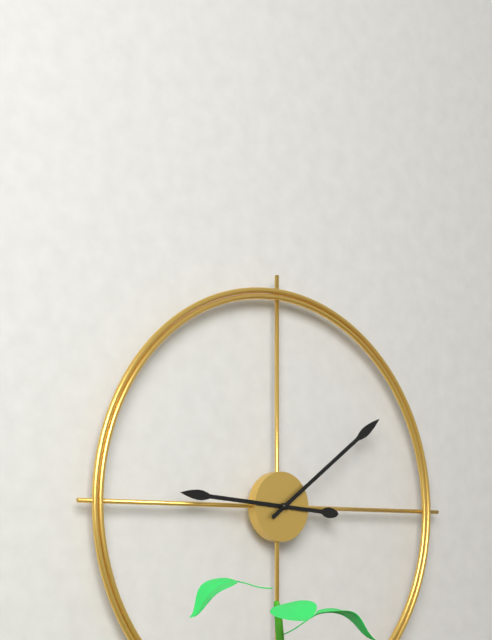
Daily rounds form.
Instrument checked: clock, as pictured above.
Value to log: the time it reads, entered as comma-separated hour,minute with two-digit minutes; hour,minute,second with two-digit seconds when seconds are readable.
9,09
